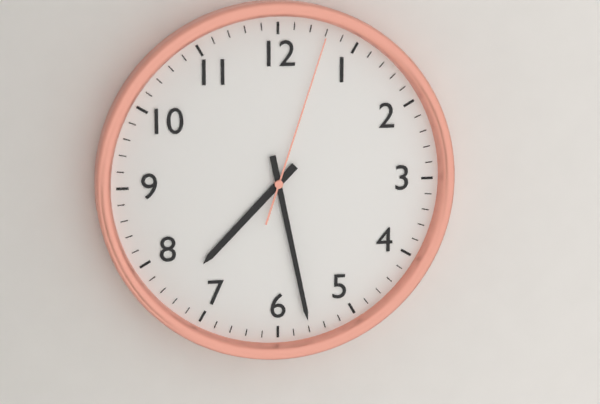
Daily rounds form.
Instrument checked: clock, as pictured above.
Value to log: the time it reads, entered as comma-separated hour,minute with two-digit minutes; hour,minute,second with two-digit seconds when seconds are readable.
7,28,03
